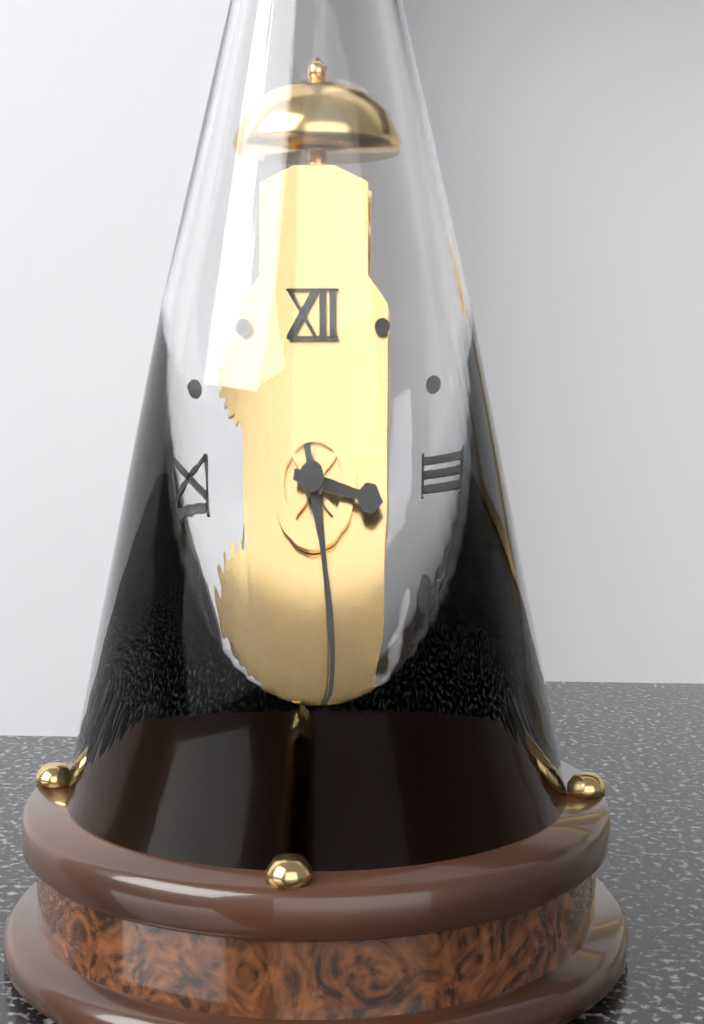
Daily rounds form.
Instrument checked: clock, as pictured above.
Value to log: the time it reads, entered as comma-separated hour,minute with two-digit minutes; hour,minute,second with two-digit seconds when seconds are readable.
3,28
